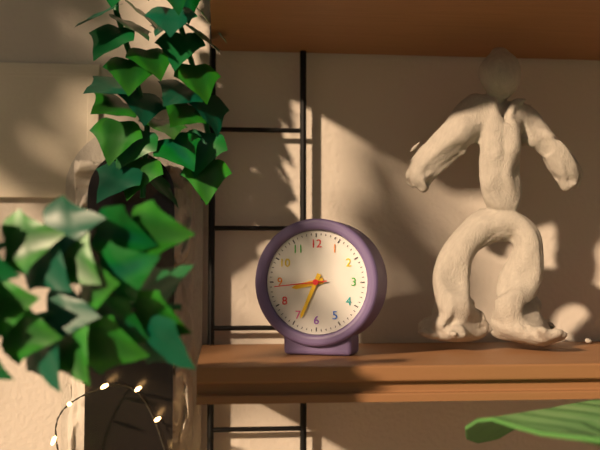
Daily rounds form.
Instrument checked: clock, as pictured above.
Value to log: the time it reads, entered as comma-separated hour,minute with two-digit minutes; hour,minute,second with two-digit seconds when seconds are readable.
8,34,44
